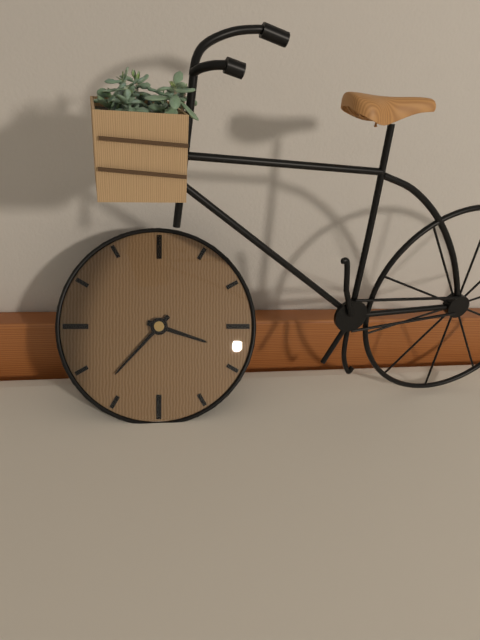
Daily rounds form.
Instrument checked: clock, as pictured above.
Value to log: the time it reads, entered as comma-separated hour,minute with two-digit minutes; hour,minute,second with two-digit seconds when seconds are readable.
3,37
